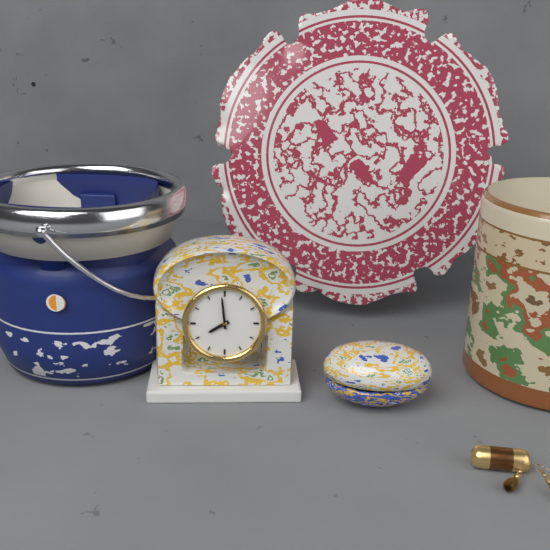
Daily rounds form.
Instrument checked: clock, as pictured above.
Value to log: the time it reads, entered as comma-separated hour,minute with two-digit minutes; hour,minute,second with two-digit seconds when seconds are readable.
7,59
